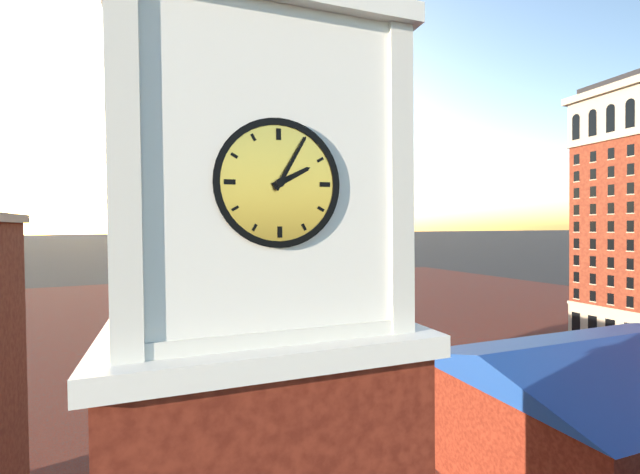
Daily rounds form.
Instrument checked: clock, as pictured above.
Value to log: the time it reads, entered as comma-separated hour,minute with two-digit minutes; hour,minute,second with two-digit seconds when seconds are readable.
2,05
